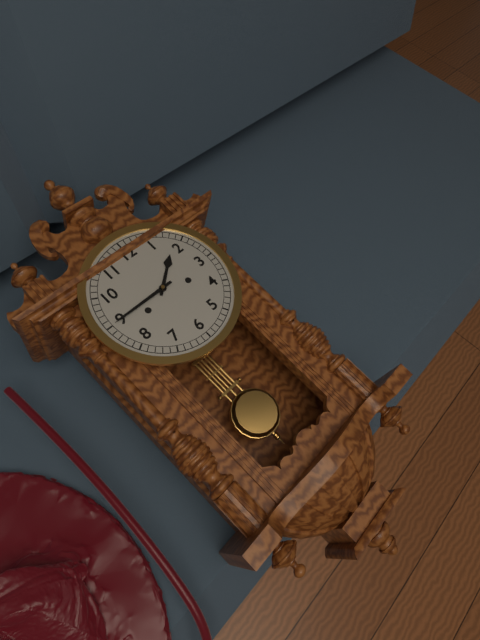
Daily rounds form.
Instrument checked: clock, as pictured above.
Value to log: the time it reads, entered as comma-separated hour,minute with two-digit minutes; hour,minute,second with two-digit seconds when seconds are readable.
1,45
